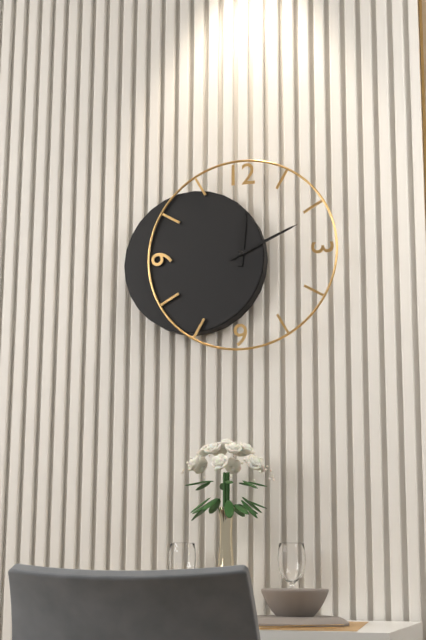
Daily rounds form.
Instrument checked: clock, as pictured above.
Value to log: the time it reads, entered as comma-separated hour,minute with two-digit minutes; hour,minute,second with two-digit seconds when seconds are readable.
12,11
